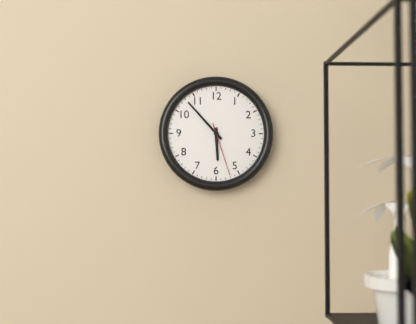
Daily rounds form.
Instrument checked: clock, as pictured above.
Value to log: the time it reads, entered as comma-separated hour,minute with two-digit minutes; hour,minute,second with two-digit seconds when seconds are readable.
5,53,27
